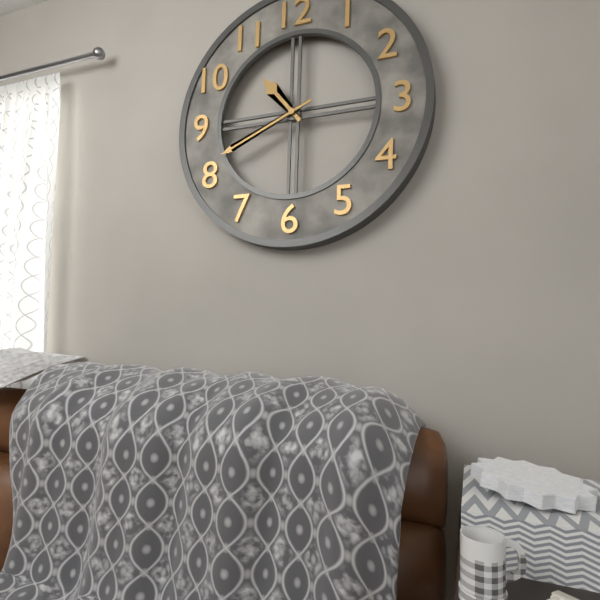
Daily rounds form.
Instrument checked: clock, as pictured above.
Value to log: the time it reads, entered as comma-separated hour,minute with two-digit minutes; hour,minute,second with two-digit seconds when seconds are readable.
10,41
